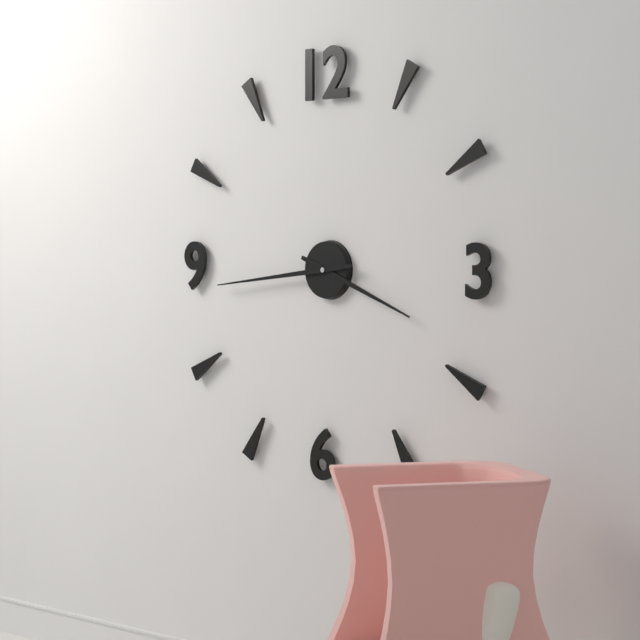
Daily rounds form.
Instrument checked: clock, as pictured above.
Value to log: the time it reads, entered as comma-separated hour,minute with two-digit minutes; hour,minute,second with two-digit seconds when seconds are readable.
3,44
